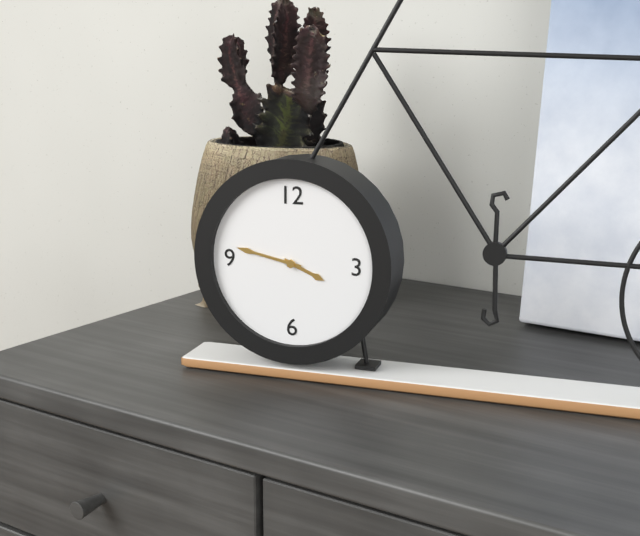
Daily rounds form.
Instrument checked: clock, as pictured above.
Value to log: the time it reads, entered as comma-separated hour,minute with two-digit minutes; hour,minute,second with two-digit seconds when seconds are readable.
3,47
